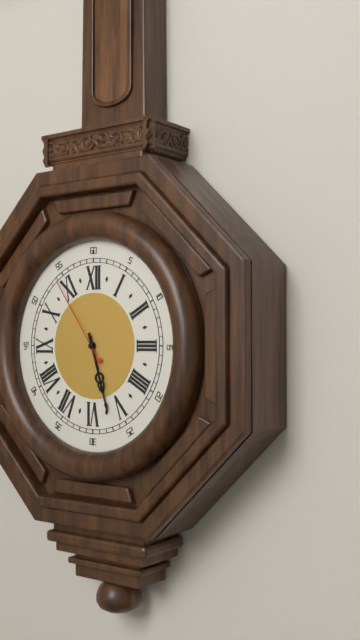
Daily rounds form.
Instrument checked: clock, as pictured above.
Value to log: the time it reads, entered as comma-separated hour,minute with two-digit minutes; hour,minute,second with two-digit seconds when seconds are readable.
5,27,54
